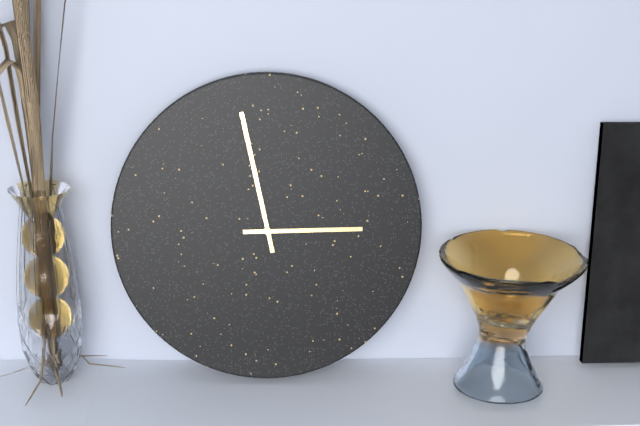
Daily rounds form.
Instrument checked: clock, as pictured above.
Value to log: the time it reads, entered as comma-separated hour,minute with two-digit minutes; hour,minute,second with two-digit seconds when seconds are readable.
2,58
